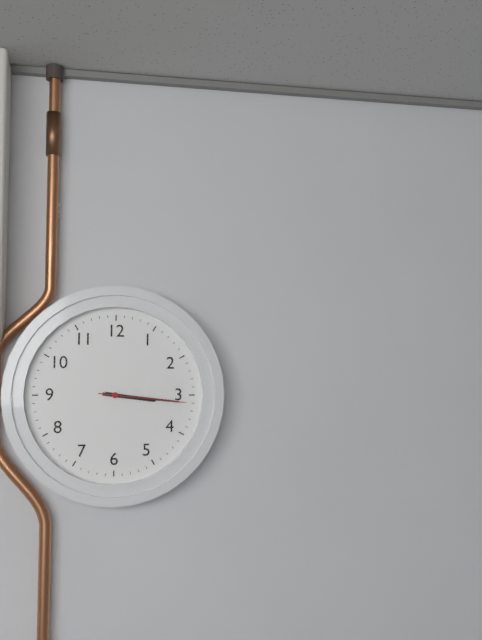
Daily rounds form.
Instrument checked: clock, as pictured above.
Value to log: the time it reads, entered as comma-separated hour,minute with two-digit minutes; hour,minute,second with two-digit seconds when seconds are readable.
3,16,16
